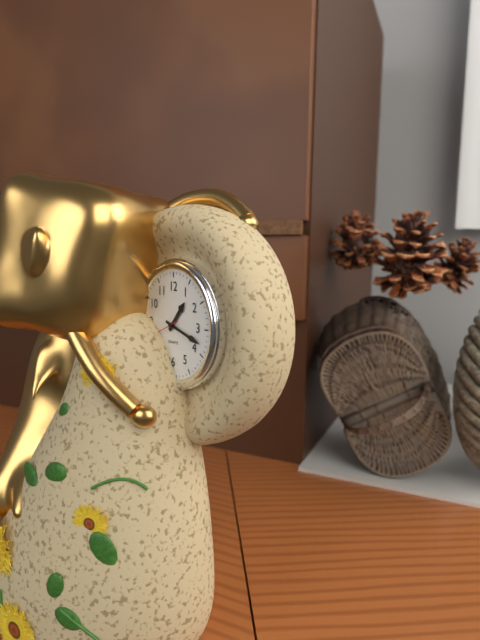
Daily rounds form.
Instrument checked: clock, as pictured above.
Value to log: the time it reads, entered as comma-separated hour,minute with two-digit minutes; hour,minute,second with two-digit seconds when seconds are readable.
1,18
